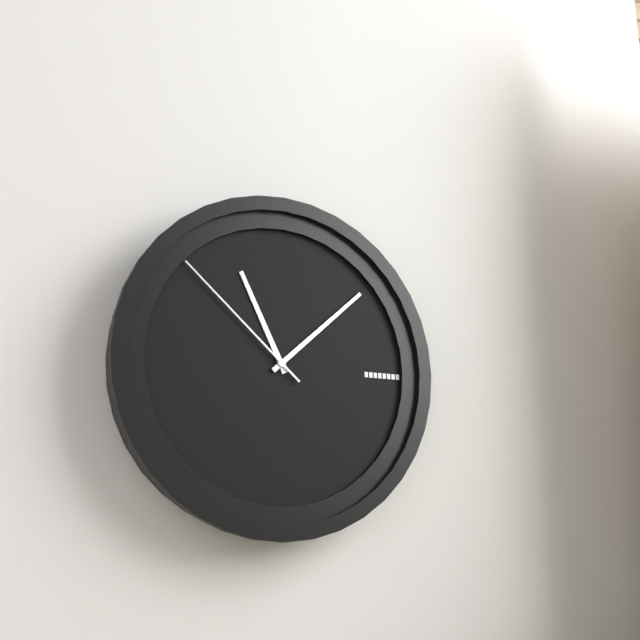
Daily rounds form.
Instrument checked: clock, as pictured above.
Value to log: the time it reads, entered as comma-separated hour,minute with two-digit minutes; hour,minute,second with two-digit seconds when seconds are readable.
11,08,52
